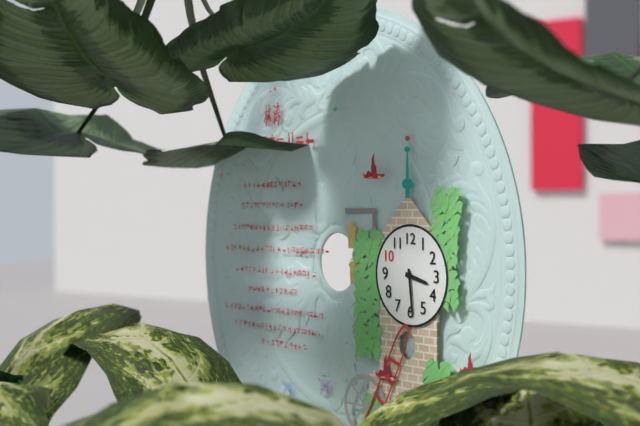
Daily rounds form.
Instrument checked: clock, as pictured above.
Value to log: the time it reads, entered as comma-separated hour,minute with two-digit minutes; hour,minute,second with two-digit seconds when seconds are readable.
3,29
